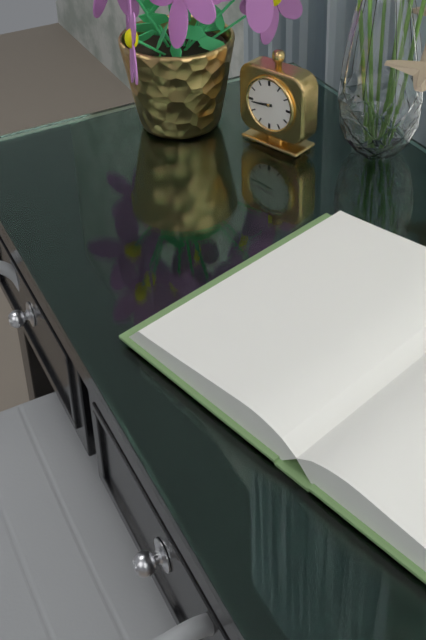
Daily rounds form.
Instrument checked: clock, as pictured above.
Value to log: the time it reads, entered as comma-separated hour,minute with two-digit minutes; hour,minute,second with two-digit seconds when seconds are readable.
8,44
